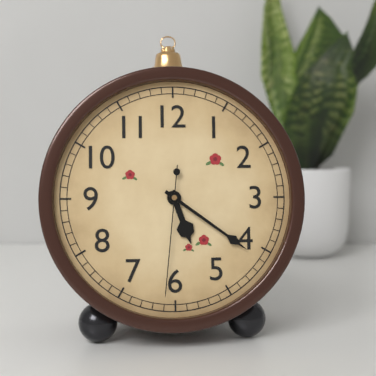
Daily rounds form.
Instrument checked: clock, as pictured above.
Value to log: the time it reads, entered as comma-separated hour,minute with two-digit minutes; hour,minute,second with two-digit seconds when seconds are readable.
5,21,31
